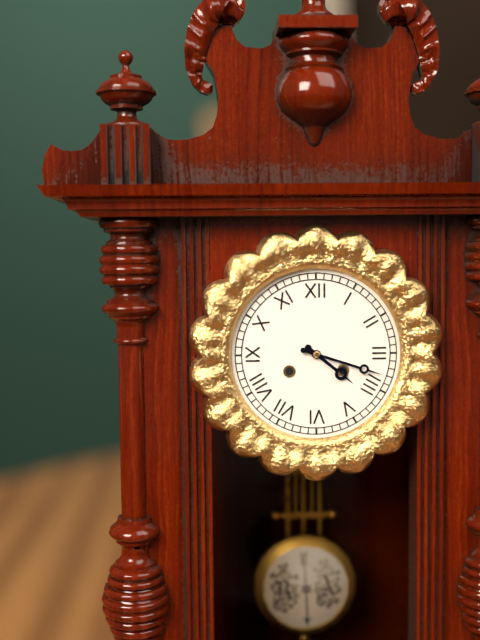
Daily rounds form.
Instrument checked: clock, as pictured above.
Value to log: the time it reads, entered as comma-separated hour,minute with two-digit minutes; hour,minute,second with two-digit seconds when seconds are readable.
4,18
